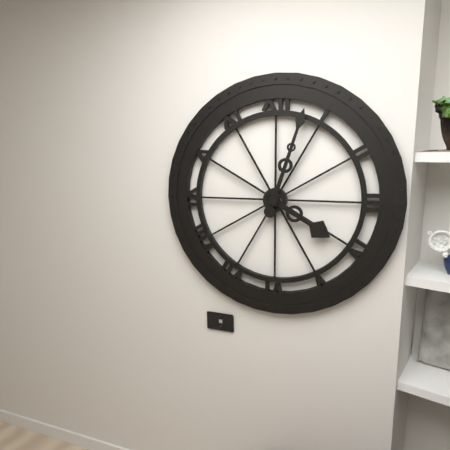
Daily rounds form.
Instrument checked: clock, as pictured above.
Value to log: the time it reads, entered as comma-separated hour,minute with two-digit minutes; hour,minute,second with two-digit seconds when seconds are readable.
4,03
